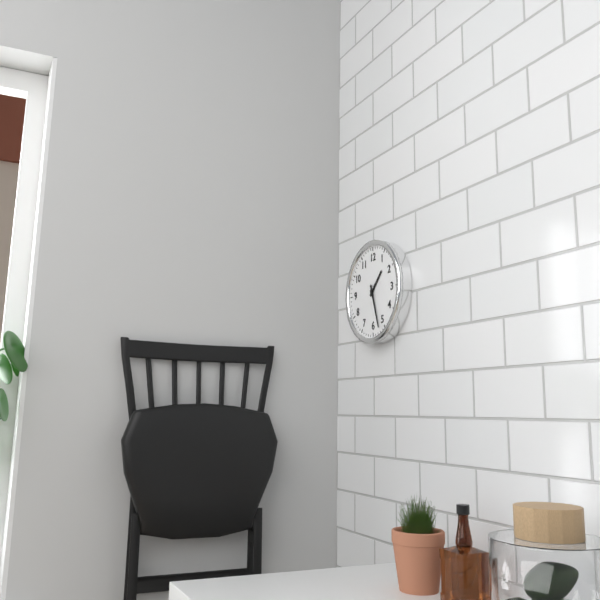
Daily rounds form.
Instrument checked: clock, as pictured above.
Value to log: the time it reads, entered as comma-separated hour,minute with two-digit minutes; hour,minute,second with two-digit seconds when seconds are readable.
1,27
